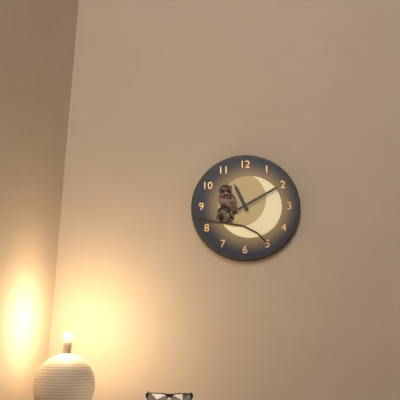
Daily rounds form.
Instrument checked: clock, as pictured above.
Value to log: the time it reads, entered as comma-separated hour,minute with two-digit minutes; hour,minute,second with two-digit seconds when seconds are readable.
11,10
